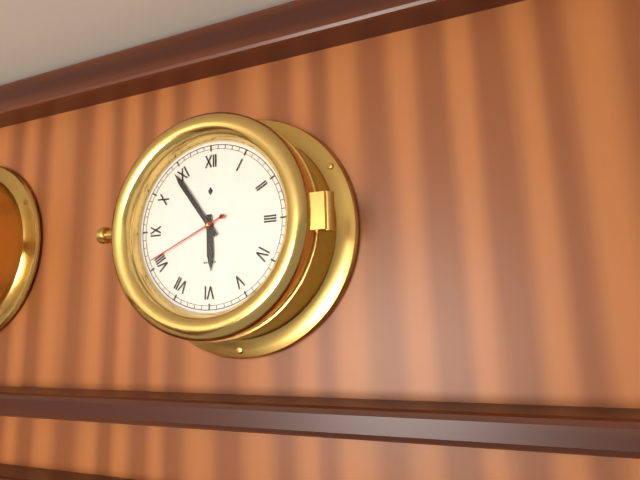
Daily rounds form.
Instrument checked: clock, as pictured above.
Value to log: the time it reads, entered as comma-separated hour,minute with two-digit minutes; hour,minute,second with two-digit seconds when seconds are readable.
5,54,41
